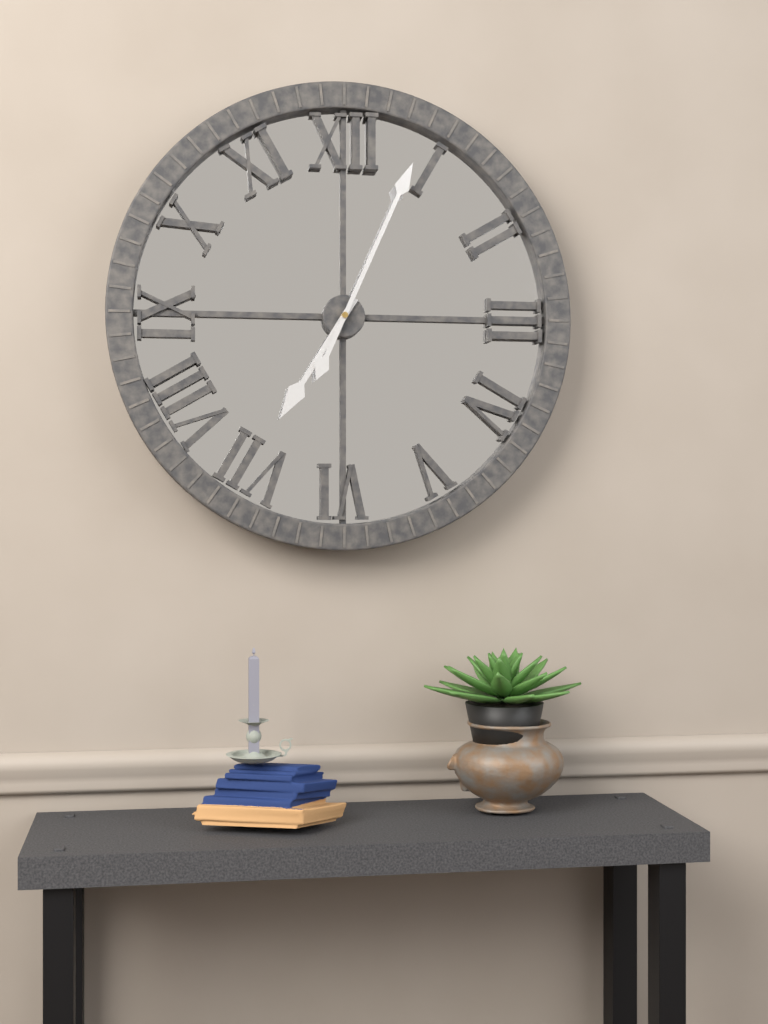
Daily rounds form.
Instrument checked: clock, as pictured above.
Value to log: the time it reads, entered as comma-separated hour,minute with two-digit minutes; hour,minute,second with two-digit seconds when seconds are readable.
7,04
